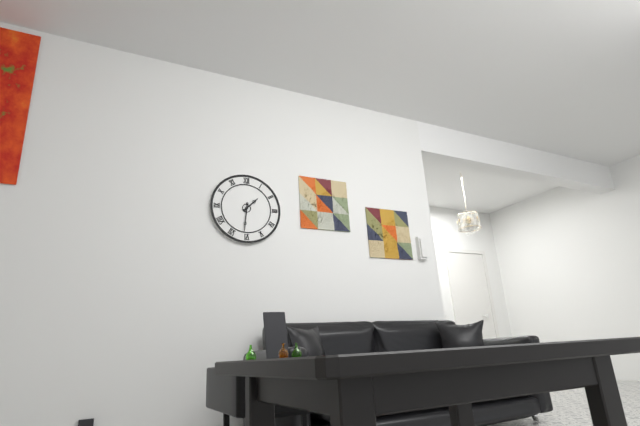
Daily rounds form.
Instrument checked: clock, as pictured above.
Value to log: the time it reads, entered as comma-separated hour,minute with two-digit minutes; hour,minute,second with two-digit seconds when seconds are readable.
1,31
